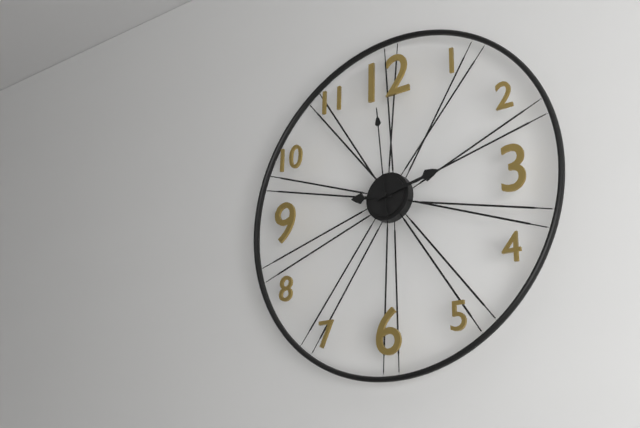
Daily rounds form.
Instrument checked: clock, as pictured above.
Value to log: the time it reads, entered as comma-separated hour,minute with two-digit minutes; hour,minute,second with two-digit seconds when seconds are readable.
9,13,59
